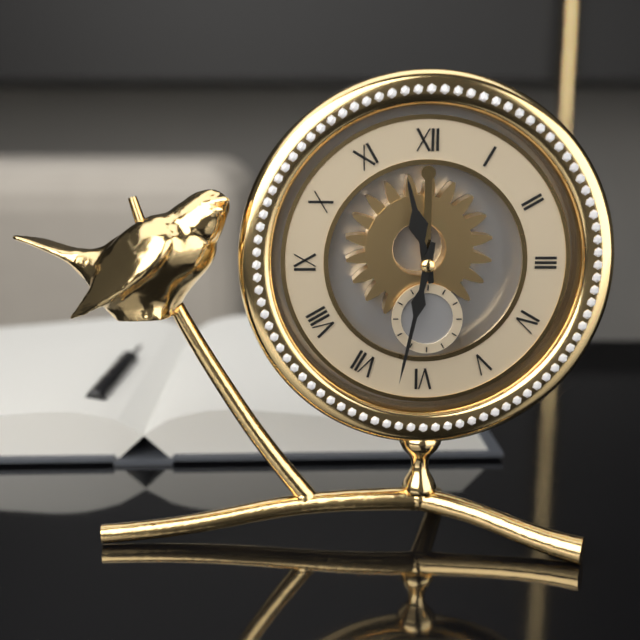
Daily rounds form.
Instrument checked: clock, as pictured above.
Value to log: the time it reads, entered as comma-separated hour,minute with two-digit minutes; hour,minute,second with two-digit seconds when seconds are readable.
11,32
